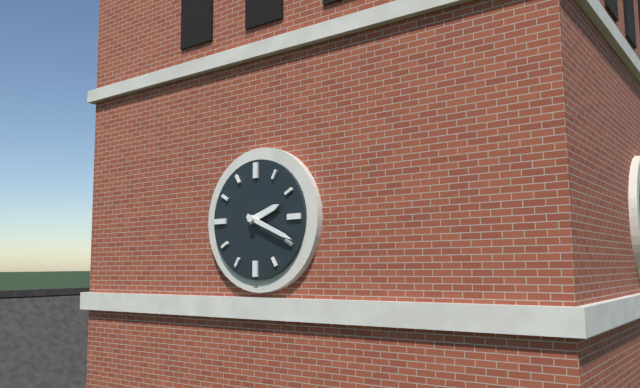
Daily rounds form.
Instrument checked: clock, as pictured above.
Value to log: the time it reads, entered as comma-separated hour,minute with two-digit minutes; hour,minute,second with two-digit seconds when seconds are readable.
2,19
